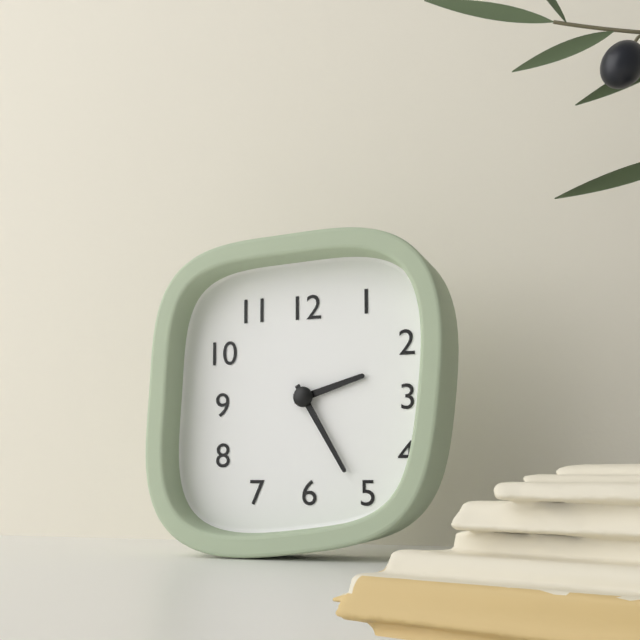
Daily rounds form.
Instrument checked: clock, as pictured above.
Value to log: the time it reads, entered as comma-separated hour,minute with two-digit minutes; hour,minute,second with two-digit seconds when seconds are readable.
2,25
